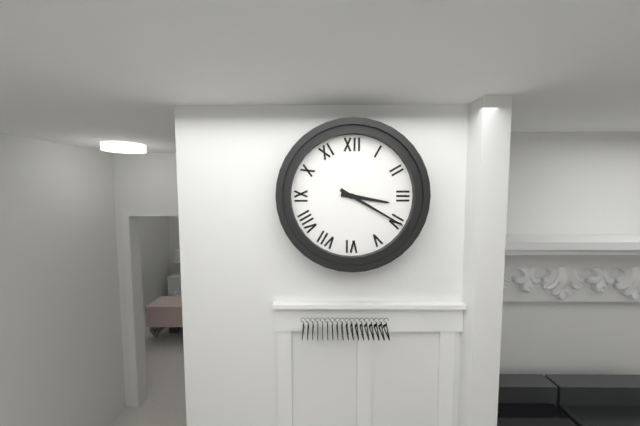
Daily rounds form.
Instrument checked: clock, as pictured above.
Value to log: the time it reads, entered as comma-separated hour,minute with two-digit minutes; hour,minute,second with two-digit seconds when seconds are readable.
3,20
